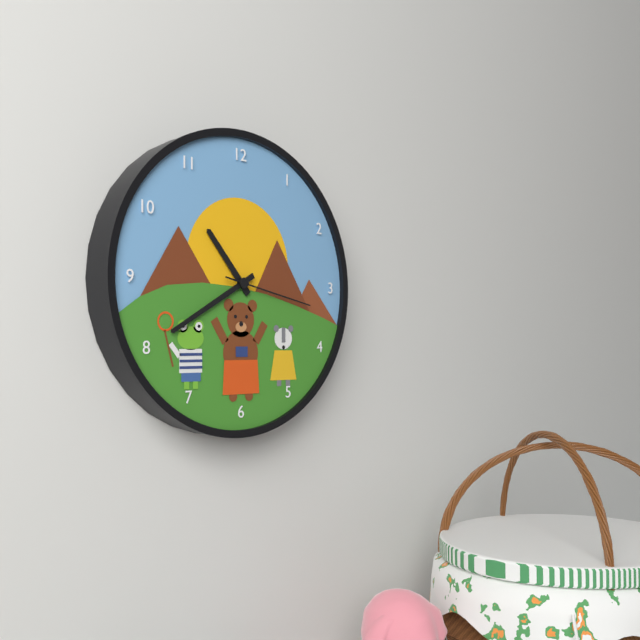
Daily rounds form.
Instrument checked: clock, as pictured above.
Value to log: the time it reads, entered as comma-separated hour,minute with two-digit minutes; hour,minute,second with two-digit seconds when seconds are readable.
10,40,17
